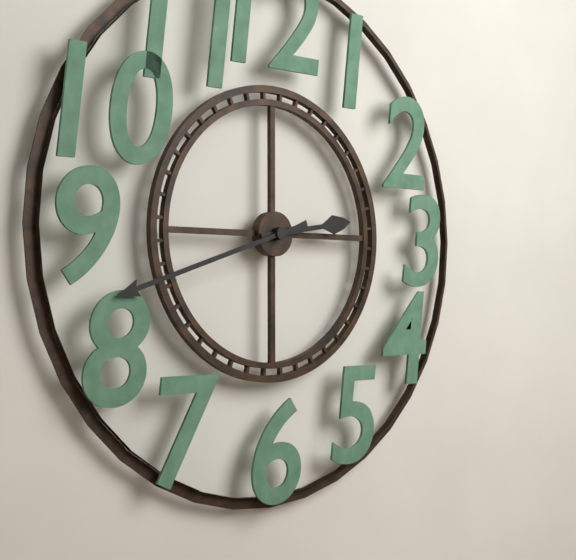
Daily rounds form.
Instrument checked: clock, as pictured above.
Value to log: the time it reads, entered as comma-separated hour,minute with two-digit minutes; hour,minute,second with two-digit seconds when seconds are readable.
2,42
